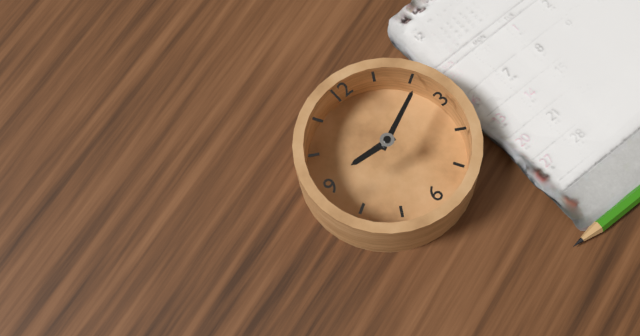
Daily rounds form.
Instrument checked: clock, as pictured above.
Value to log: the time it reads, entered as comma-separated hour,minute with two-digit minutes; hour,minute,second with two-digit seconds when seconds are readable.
9,11
